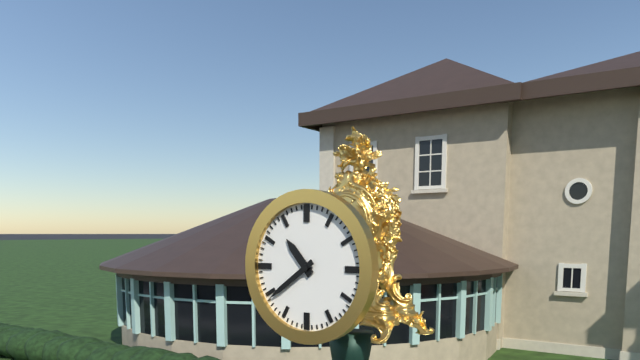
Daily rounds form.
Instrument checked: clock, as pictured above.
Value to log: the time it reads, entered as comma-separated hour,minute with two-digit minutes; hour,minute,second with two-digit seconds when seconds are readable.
10,39
